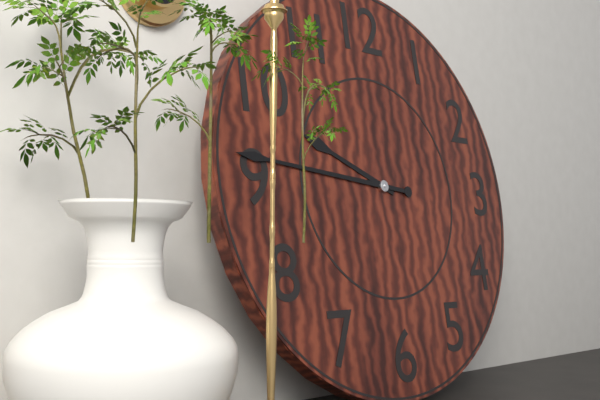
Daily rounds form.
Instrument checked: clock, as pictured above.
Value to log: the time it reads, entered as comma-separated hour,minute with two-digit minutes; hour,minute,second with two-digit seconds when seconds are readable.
9,46
